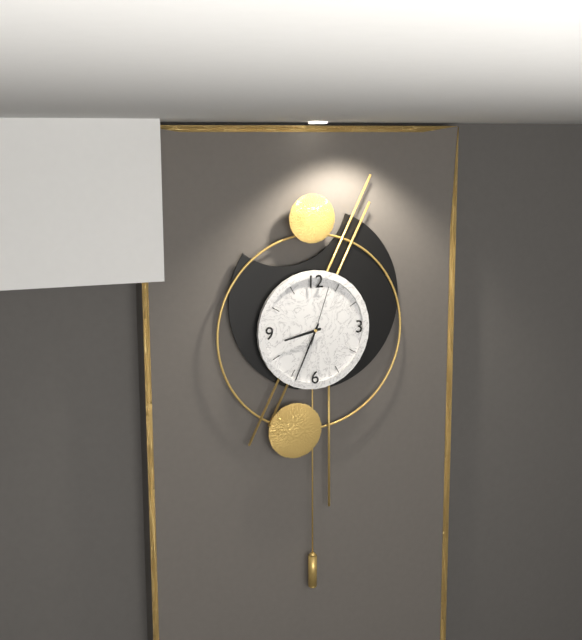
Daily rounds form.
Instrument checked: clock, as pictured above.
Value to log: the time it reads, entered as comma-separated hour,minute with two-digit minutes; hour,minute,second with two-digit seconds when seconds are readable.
8,34,03
